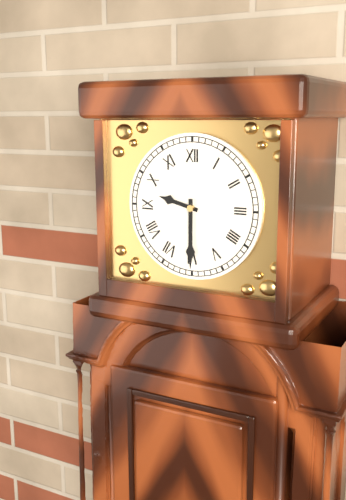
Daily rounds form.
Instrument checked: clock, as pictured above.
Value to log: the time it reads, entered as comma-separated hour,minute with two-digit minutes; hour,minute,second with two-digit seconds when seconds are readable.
9,30
